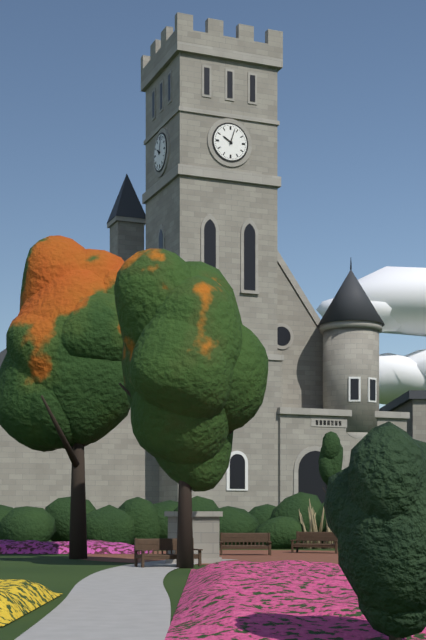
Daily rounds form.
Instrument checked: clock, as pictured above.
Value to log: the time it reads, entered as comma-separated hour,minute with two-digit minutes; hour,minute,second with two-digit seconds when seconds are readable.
10,03
